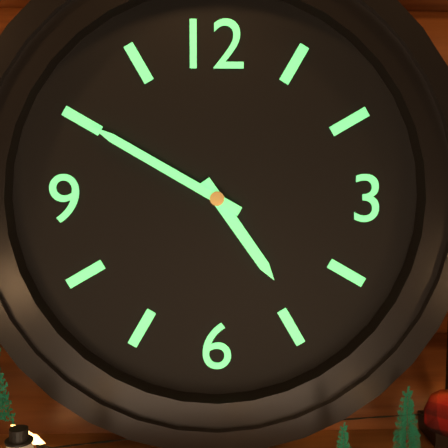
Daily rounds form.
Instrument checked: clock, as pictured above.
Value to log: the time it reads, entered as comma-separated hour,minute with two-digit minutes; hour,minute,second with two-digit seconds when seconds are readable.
4,50
